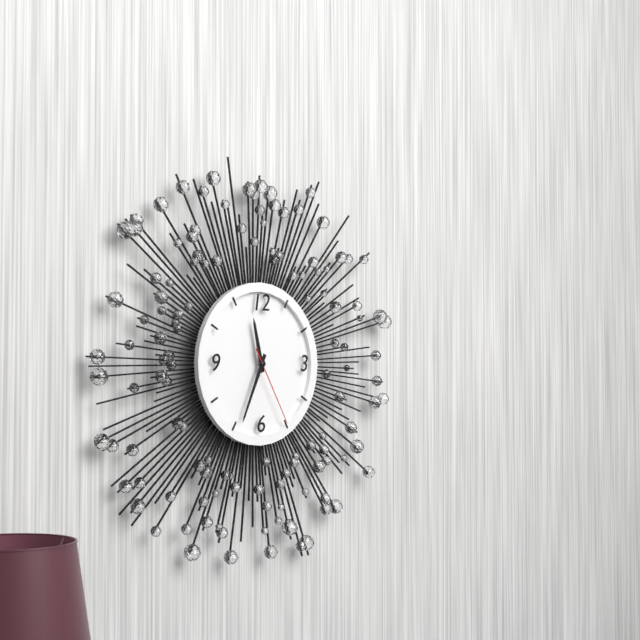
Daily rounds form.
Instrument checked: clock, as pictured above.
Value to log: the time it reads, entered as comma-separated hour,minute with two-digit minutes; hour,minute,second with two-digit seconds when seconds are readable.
11,34,25
